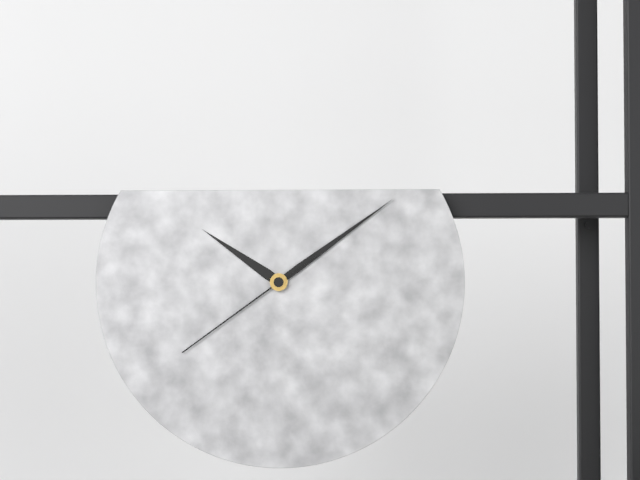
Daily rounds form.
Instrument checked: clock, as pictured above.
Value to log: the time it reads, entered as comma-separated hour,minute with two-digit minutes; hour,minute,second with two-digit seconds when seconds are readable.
10,09,39
